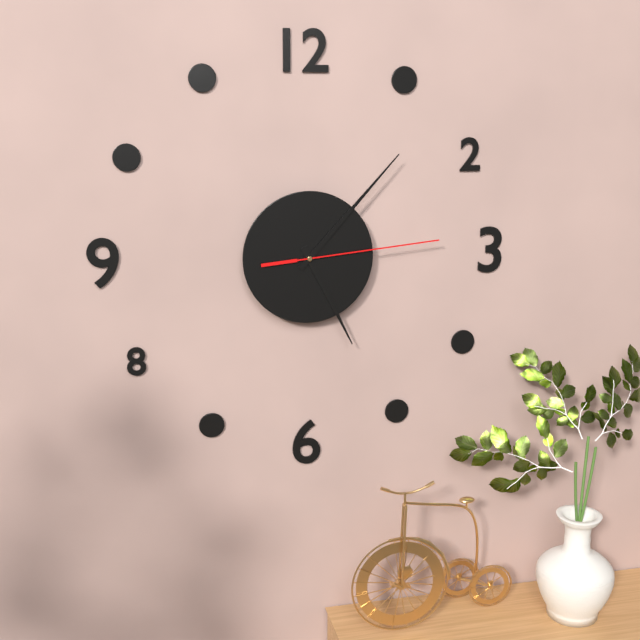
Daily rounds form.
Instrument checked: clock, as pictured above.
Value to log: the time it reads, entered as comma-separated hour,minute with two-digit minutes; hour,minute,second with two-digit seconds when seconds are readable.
5,07,14
